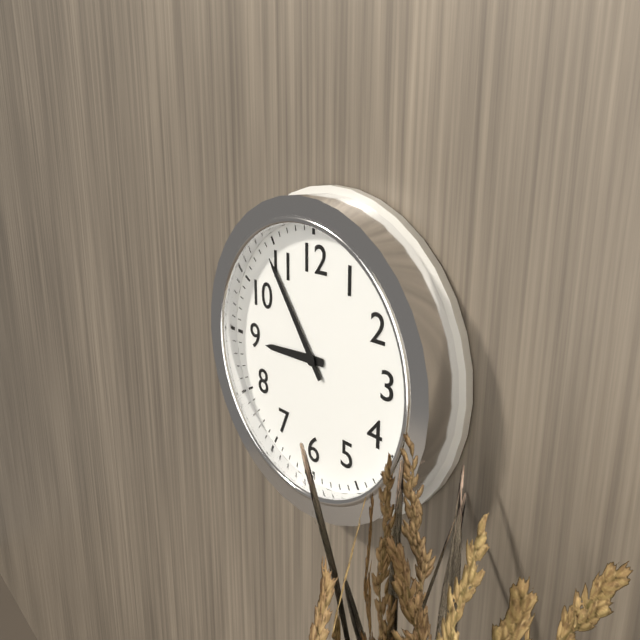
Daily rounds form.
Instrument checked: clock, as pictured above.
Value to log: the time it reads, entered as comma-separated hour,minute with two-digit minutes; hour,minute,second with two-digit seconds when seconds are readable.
8,54
